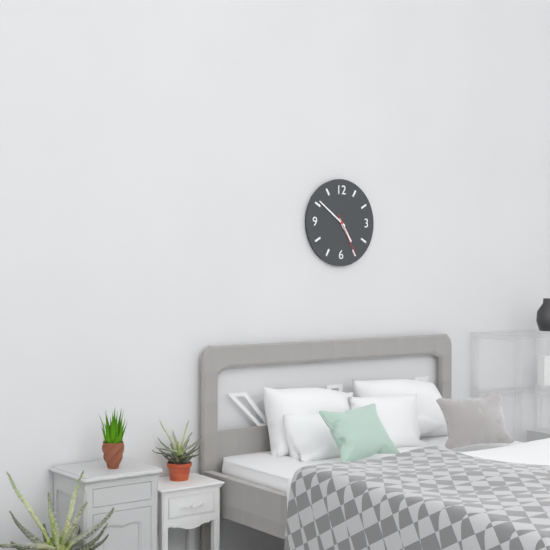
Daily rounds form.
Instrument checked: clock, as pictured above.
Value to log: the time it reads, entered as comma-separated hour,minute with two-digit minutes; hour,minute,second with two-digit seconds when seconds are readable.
4,51
